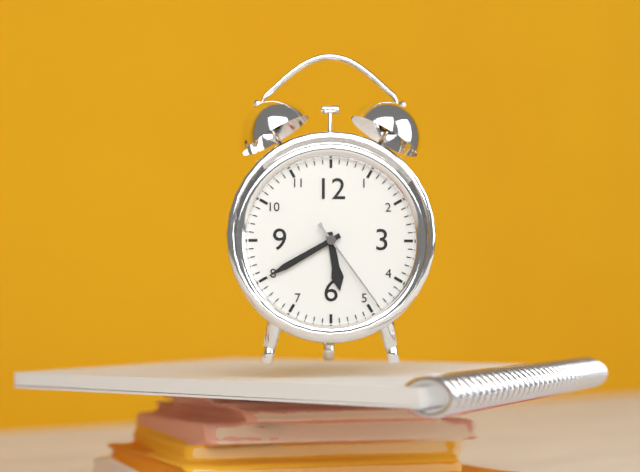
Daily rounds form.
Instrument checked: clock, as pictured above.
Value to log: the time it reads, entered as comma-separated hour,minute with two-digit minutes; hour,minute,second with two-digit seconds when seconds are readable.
5,40,24
